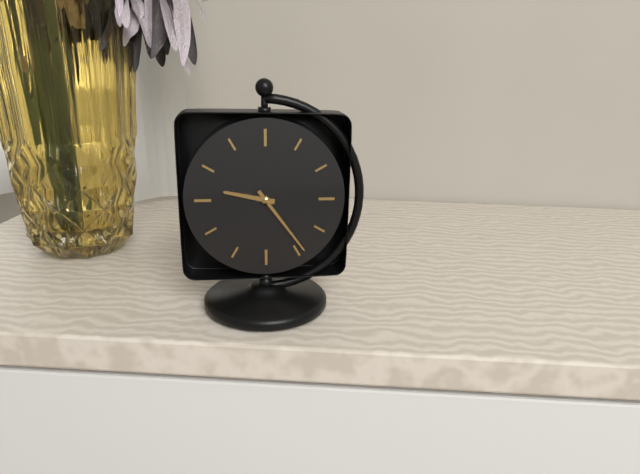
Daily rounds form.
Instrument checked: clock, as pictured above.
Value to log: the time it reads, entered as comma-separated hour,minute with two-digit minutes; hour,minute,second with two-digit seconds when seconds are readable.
9,24
